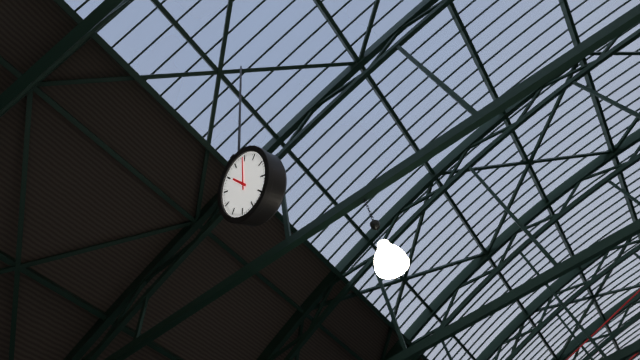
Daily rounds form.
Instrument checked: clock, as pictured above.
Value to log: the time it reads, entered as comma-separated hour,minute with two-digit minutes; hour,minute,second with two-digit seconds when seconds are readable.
11,04
